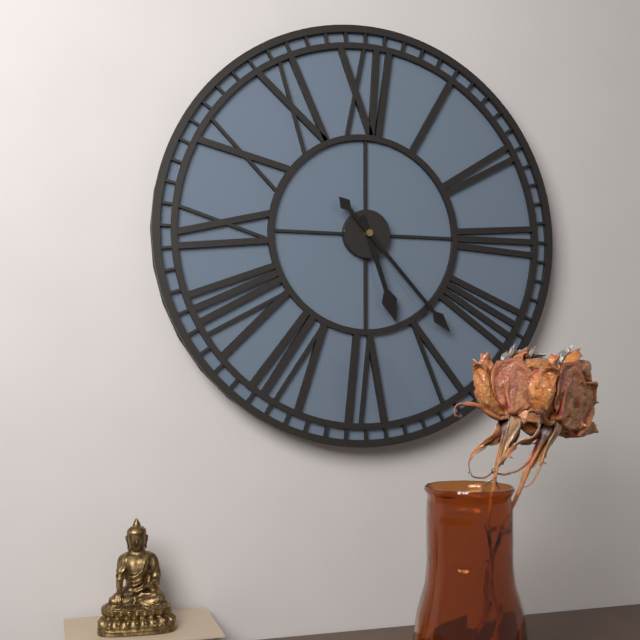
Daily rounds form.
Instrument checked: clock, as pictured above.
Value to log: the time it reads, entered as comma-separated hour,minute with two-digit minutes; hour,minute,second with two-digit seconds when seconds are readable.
5,23
